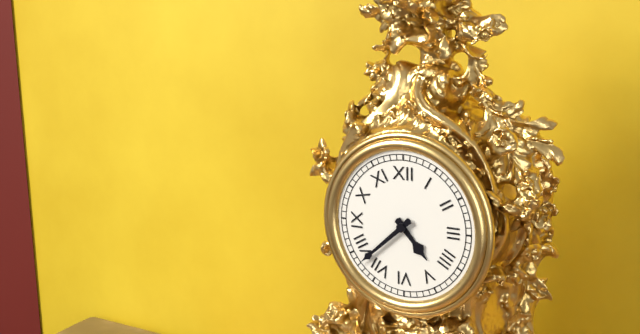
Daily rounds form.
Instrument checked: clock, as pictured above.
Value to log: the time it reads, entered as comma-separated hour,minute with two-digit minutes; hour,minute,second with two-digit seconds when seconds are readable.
4,38
